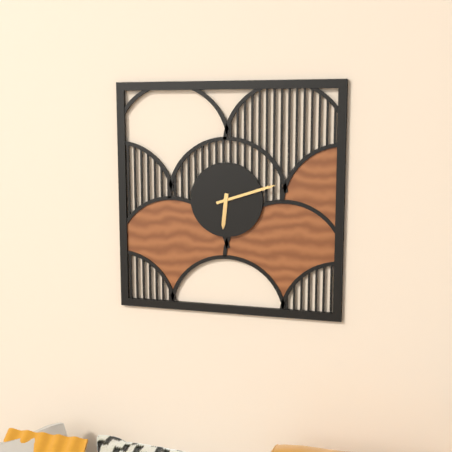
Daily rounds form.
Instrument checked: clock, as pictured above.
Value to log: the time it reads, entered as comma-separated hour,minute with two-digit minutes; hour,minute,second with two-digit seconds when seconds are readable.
6,12
